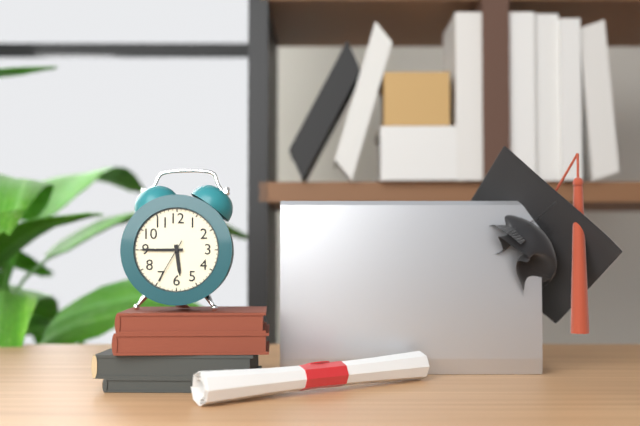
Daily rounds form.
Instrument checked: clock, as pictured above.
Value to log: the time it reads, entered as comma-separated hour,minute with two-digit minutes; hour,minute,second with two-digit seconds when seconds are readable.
5,45,35
